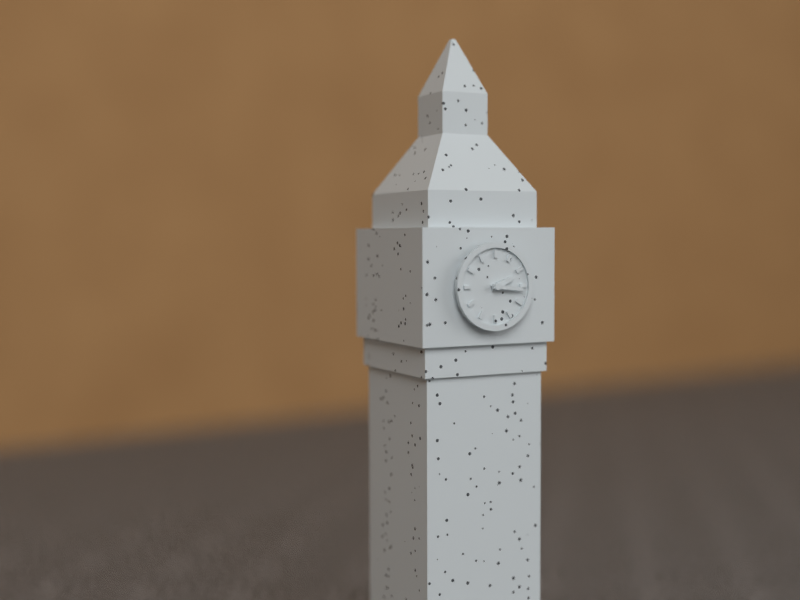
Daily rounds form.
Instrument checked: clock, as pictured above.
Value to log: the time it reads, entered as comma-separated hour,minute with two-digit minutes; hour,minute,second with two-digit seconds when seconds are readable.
2,16
